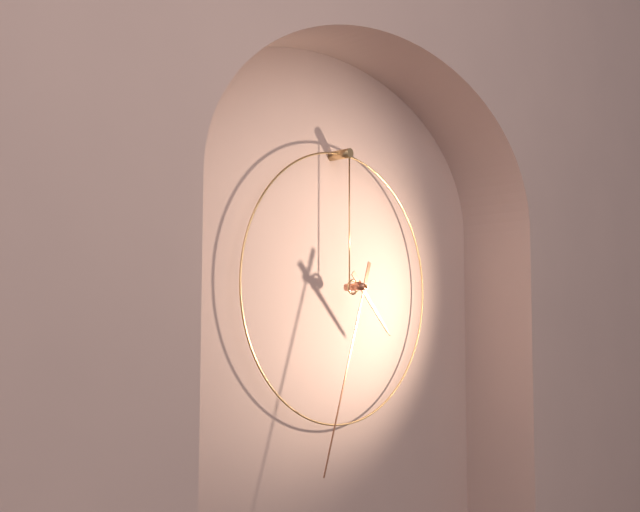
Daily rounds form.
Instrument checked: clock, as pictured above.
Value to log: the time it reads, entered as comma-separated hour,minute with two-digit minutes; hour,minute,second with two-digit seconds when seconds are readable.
4,33
